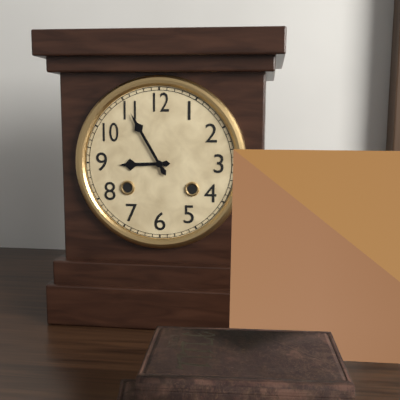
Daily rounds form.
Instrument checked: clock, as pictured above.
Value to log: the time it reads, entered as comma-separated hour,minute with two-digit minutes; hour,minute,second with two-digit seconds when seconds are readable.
8,55
